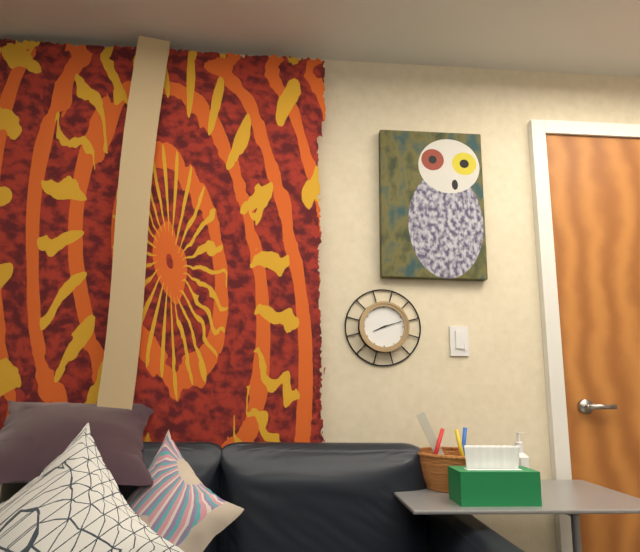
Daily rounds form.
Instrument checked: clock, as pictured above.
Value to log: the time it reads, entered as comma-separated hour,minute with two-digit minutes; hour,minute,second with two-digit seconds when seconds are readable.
8,12
